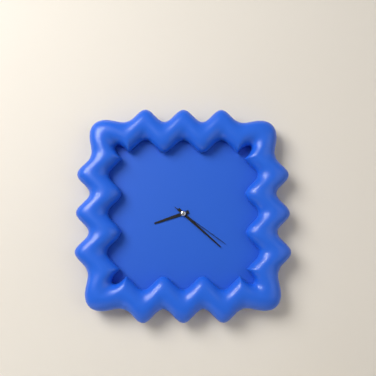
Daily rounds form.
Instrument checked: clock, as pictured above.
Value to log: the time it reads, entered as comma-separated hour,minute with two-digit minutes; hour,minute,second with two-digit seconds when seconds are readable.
8,22,21
